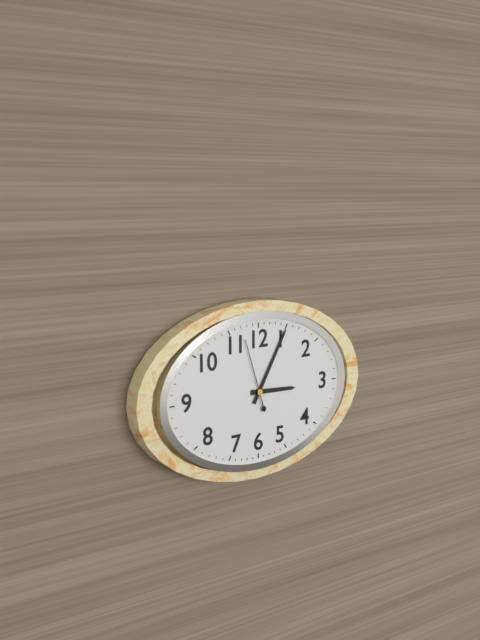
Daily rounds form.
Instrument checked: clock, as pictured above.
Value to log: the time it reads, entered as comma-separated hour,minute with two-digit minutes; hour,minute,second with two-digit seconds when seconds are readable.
3,05,57
